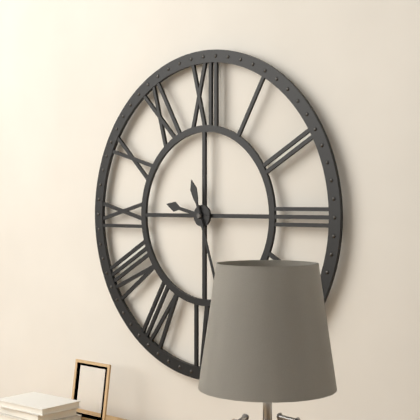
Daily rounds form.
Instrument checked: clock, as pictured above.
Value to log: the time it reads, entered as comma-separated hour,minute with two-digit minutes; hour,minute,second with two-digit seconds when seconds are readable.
9,27
